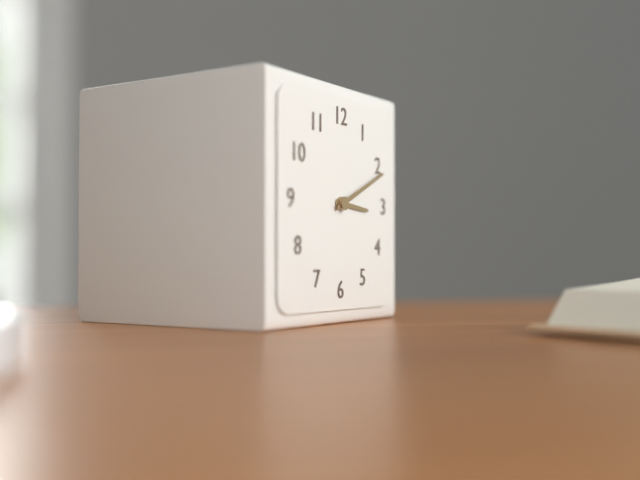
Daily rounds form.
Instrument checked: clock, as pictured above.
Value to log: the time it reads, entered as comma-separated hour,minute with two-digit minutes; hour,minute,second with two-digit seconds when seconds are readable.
3,11
